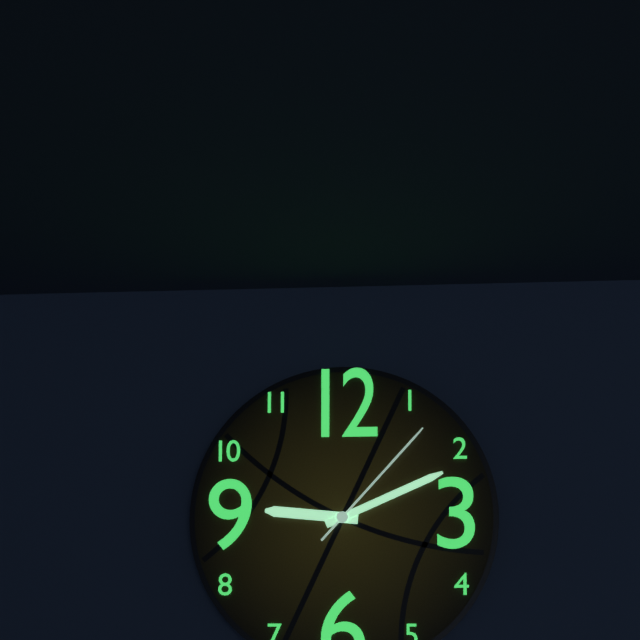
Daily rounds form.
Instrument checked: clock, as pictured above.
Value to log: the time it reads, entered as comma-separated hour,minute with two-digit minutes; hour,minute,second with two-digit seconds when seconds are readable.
9,11,07
